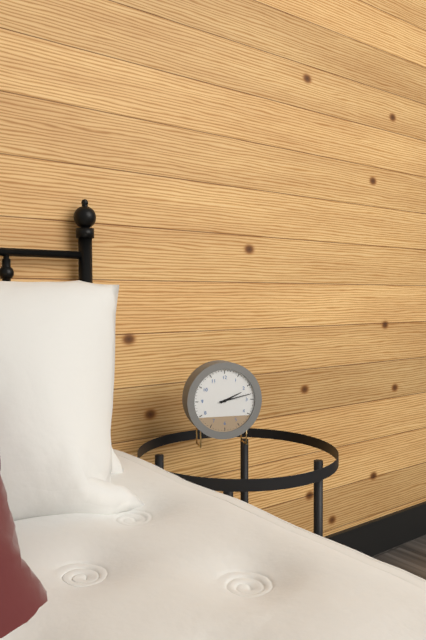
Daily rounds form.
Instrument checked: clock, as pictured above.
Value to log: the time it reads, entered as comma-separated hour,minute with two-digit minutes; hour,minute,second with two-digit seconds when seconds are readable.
2,13
